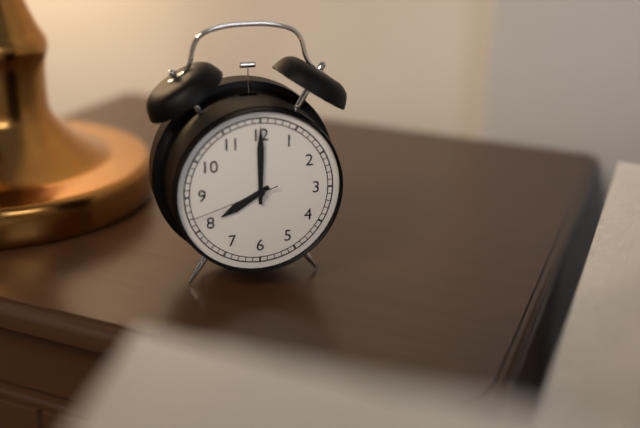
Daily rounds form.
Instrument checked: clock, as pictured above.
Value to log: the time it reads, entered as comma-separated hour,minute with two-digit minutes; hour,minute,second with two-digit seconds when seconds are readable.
8,00,42
